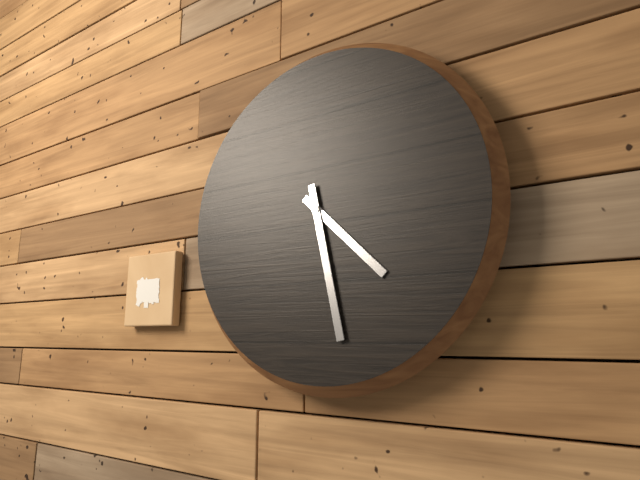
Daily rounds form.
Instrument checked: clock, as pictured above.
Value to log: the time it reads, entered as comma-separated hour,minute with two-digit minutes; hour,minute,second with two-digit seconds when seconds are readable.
4,28
